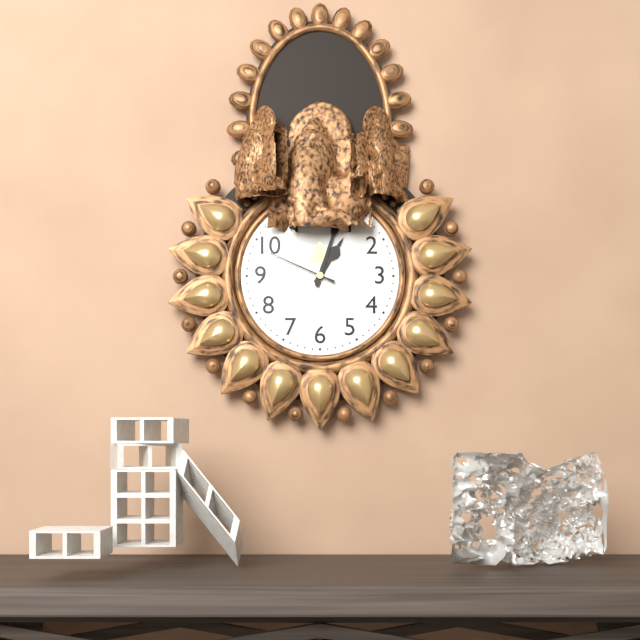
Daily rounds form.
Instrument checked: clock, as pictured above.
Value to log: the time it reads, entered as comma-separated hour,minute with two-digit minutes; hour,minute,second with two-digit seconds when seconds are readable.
1,03,49
